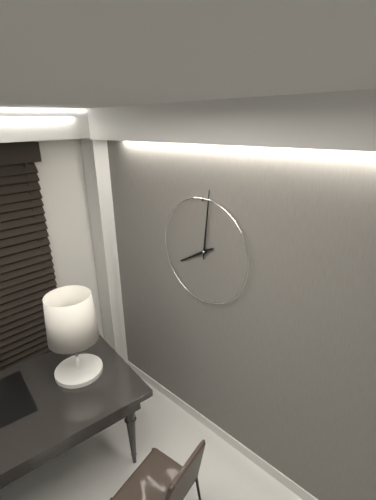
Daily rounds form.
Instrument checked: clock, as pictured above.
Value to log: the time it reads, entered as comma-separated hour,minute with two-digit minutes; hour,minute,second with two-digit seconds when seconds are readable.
8,01
